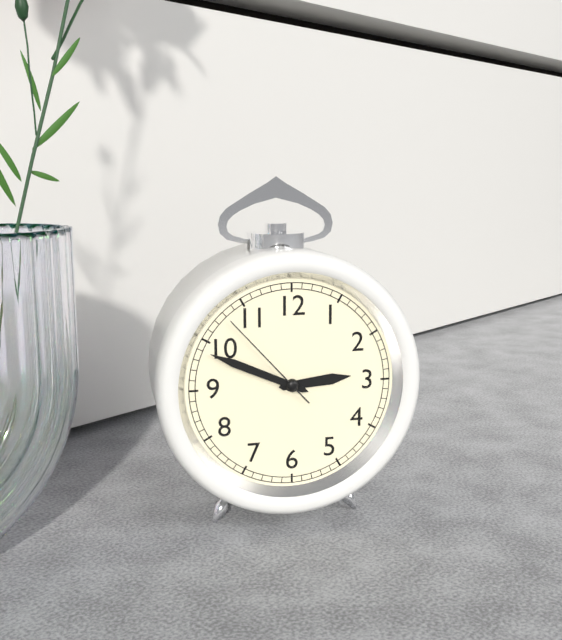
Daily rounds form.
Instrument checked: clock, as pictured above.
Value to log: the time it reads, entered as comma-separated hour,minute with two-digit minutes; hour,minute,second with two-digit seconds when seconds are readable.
2,49,53
